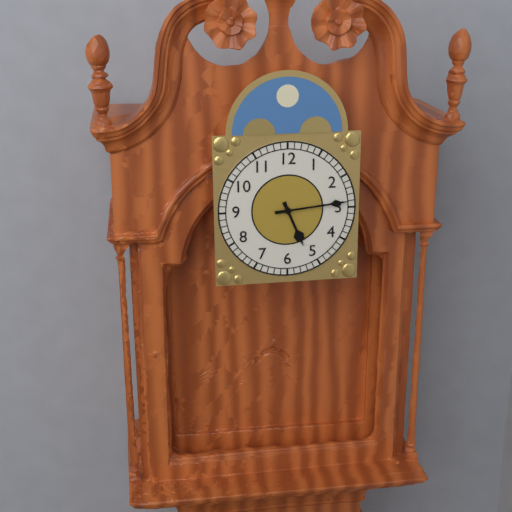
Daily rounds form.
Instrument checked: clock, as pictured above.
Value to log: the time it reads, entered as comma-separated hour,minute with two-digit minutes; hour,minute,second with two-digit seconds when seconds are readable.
5,14
